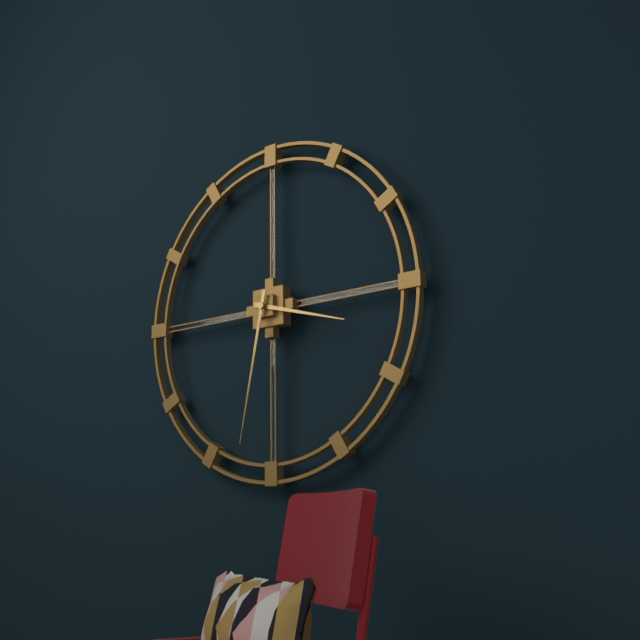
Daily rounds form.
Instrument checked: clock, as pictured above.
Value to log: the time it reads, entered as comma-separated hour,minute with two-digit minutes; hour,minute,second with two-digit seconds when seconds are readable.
3,32
